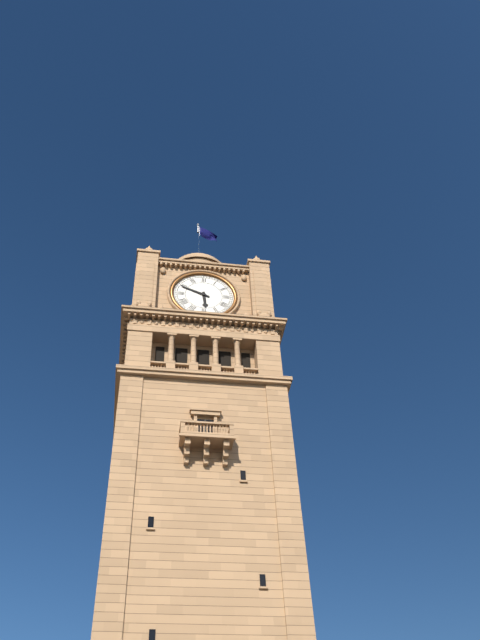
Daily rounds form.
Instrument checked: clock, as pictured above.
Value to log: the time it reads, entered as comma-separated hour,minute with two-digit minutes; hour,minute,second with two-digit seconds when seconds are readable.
5,49
